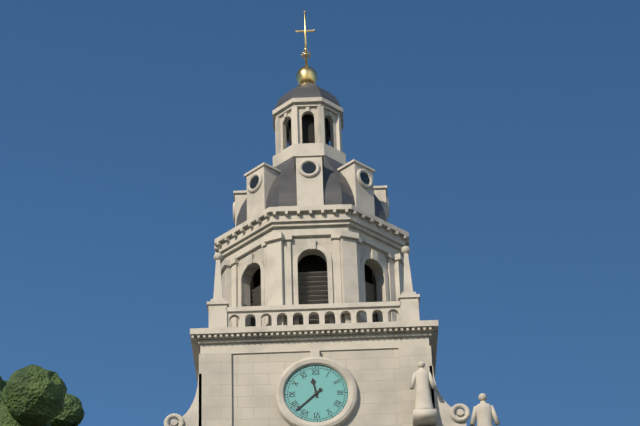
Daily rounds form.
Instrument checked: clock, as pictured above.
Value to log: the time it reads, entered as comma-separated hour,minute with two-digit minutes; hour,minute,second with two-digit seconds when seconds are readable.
11,38
